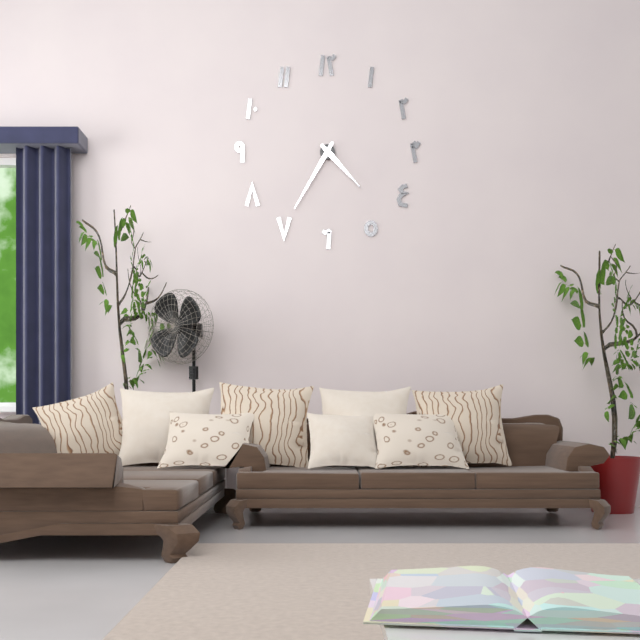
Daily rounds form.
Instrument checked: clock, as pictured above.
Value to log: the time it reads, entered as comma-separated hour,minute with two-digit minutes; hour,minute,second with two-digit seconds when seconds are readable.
4,35
